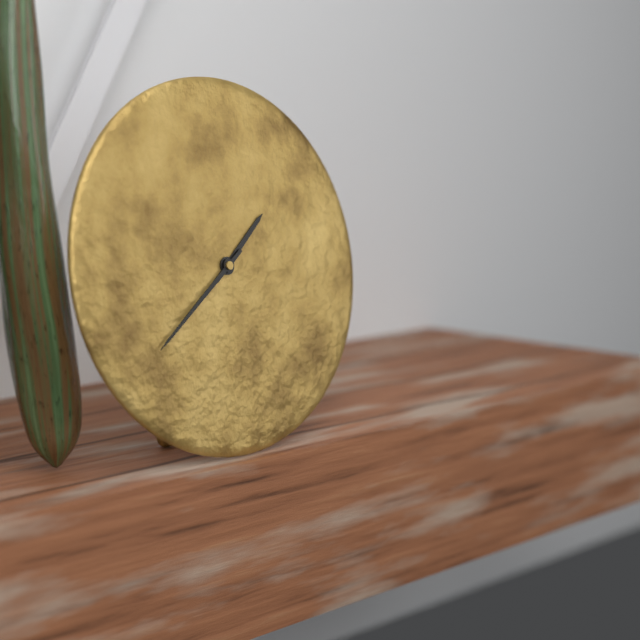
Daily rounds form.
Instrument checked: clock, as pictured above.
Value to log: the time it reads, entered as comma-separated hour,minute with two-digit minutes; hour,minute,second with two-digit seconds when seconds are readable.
1,39
